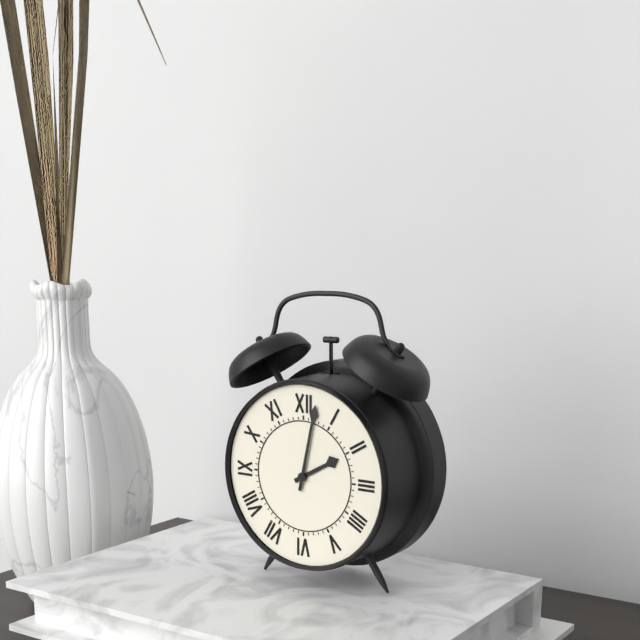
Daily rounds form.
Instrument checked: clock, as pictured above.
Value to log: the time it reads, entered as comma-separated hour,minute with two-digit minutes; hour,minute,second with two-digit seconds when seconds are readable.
2,02
